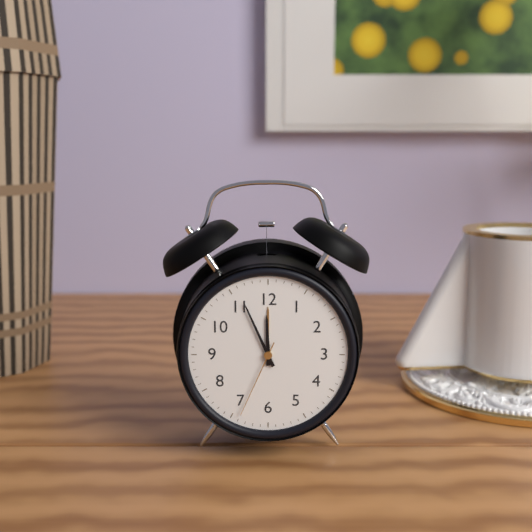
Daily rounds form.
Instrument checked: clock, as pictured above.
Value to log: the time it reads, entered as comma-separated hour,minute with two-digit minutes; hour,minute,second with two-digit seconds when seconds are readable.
11,56,34
